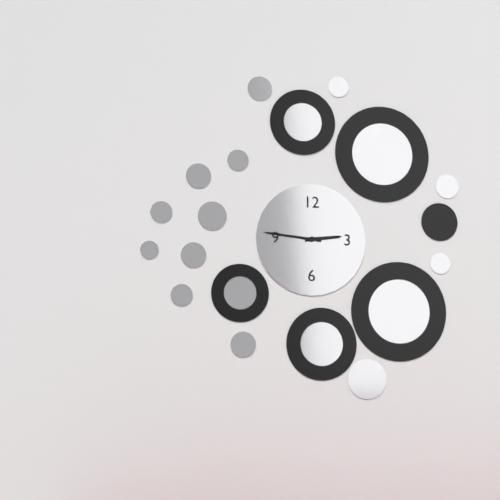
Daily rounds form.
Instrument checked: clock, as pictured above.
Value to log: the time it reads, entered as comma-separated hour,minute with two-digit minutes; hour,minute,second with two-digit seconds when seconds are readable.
2,46
